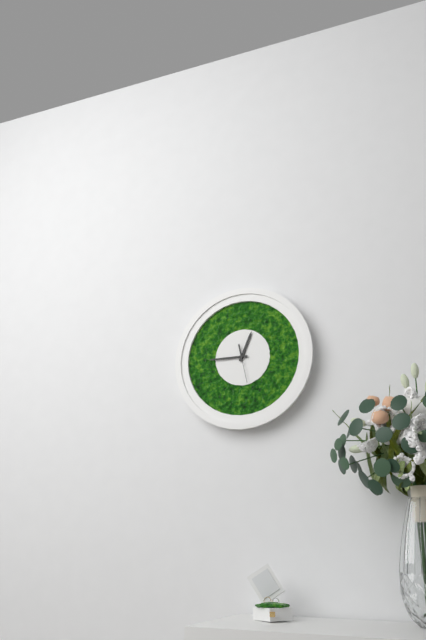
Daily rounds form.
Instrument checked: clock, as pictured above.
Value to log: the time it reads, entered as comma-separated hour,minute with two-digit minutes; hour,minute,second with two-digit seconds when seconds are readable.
12,45
